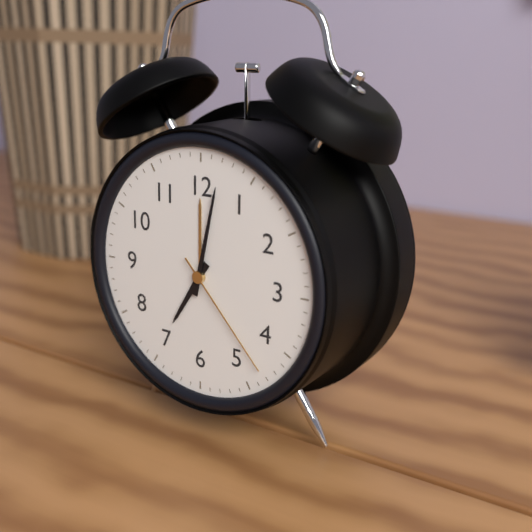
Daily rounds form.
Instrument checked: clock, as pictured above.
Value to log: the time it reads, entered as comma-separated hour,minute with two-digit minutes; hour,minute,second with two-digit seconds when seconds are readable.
7,02,23
